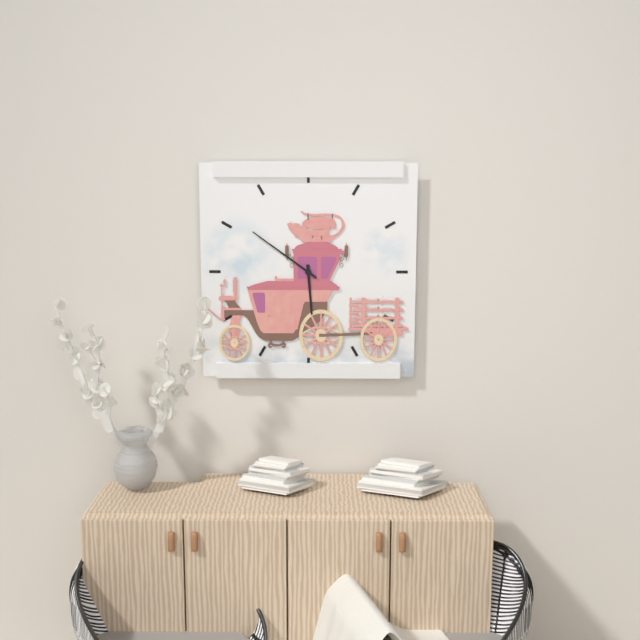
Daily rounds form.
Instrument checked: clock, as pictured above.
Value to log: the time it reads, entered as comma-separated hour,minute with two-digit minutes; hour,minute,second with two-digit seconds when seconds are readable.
5,51
